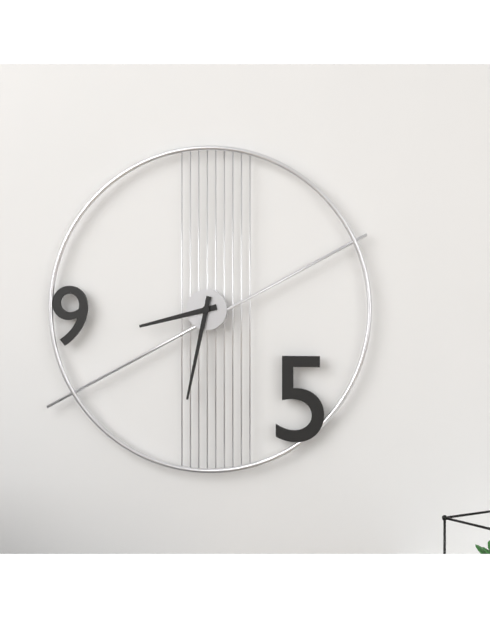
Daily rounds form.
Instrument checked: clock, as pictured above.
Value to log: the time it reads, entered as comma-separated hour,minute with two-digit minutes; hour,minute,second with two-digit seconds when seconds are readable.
8,32
